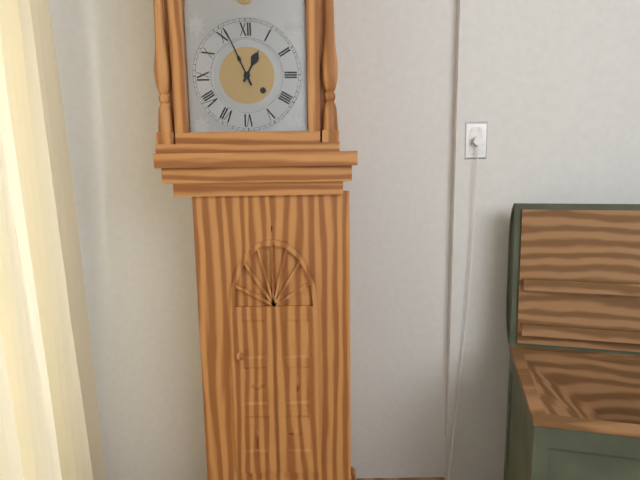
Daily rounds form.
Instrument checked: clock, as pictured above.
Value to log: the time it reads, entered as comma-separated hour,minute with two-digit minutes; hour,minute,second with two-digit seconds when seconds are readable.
12,56
